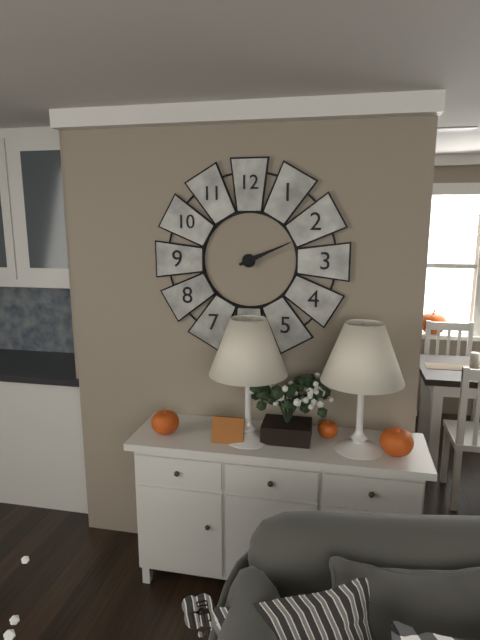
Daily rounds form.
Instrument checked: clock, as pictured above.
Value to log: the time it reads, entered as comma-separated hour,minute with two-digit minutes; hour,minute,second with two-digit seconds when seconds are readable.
2,11
